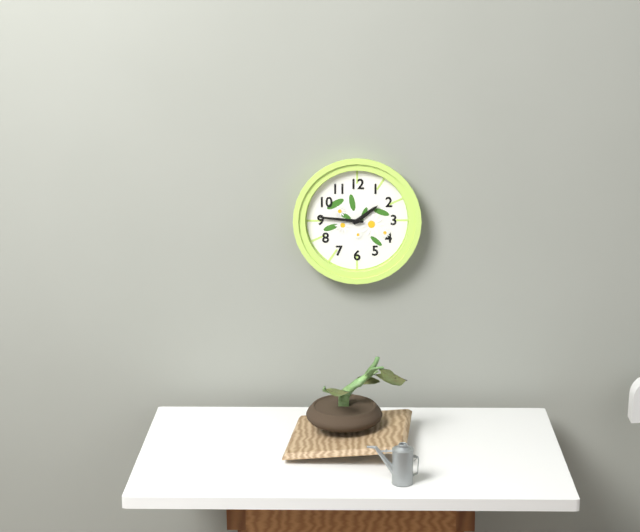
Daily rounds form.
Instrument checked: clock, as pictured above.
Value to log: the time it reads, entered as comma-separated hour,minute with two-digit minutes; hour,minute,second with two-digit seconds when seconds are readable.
1,46
